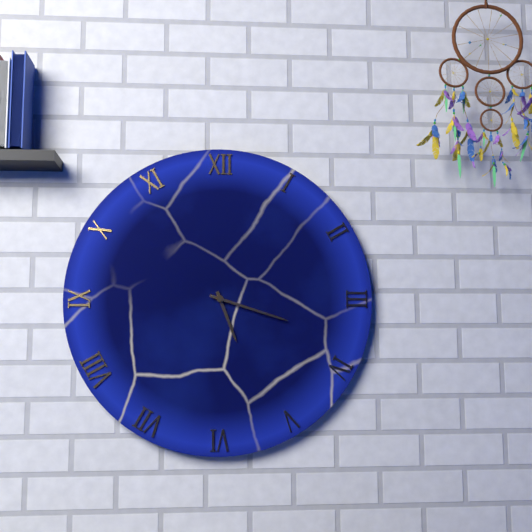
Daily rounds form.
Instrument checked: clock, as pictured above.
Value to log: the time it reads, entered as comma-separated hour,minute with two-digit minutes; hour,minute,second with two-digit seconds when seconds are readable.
5,18
